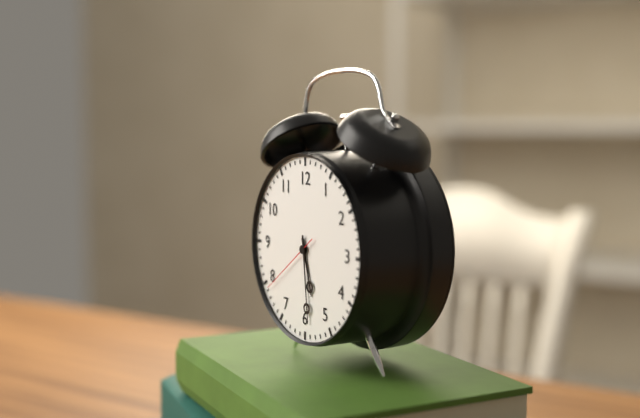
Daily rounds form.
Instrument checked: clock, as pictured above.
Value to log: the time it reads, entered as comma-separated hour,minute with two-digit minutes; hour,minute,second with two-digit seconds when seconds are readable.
5,29,39
